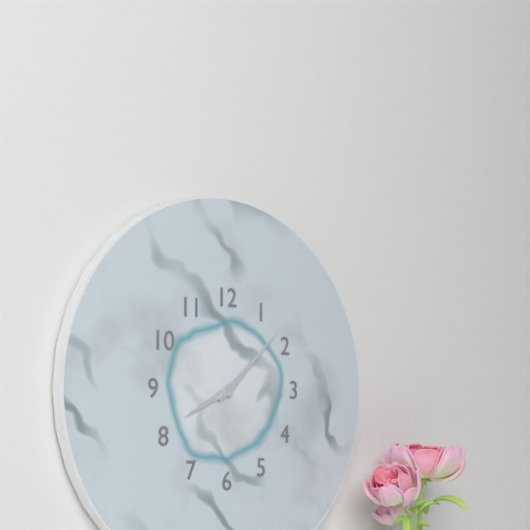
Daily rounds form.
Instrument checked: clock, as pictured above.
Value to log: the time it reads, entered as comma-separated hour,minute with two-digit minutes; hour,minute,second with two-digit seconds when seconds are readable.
8,08
